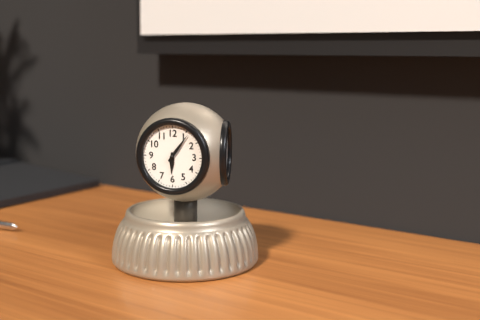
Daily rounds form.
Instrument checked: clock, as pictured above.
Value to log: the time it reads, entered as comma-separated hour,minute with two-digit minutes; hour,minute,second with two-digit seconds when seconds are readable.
6,06
